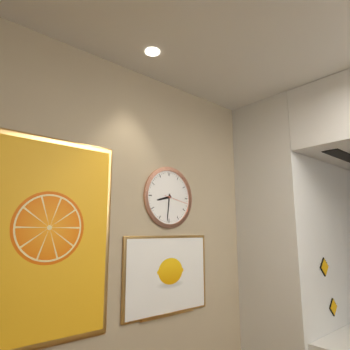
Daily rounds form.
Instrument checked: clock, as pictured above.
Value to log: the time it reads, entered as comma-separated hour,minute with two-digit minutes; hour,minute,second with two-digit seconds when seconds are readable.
8,31
